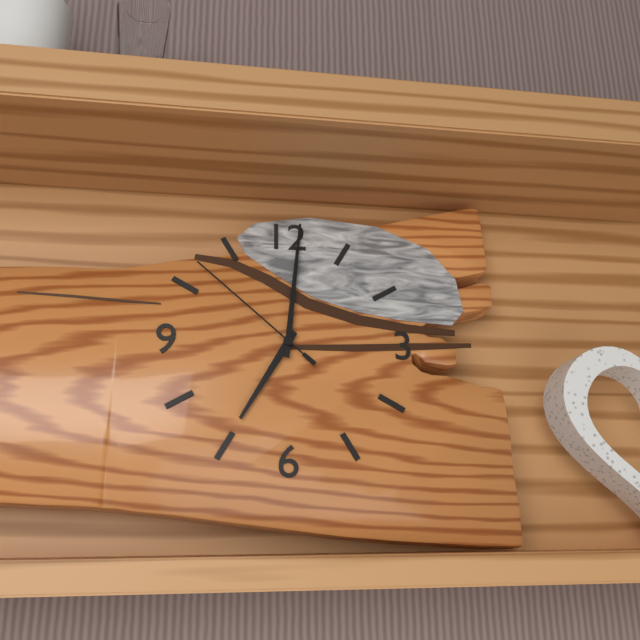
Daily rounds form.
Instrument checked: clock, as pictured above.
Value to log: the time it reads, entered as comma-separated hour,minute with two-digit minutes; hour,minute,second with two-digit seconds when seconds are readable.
7,01,52
